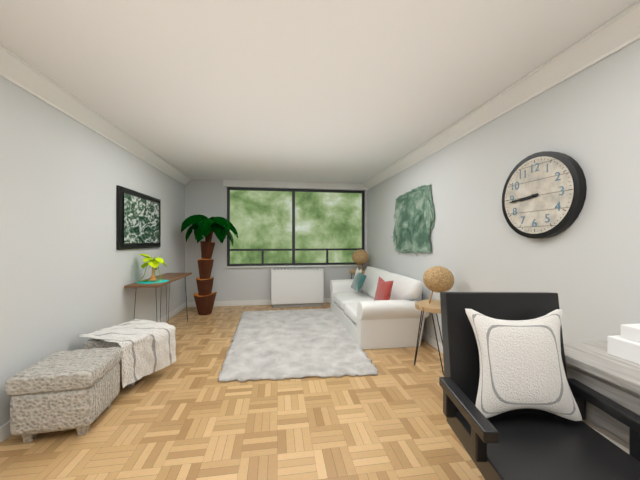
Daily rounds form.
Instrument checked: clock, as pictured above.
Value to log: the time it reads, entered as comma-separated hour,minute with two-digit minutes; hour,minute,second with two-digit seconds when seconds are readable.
8,44
